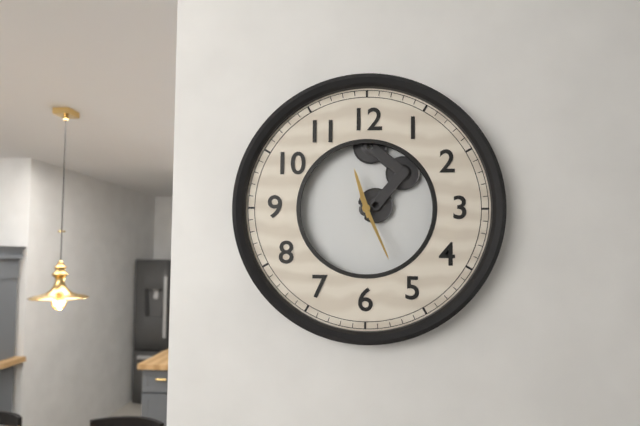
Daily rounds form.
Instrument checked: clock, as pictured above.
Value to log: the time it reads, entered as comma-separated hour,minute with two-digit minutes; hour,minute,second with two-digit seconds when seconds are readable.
11,26
